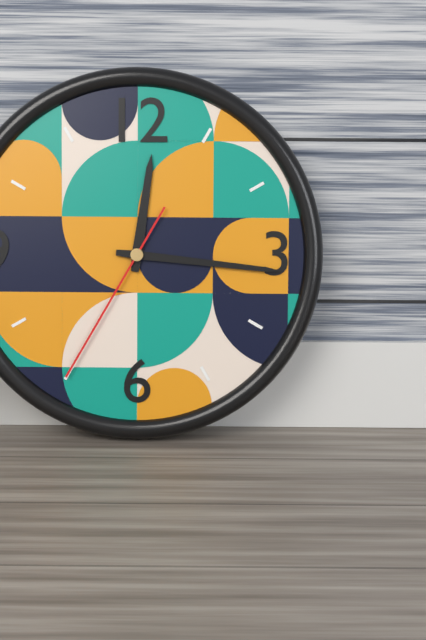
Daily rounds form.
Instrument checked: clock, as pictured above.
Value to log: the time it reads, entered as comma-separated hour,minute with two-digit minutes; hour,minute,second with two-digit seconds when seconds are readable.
12,16,35
